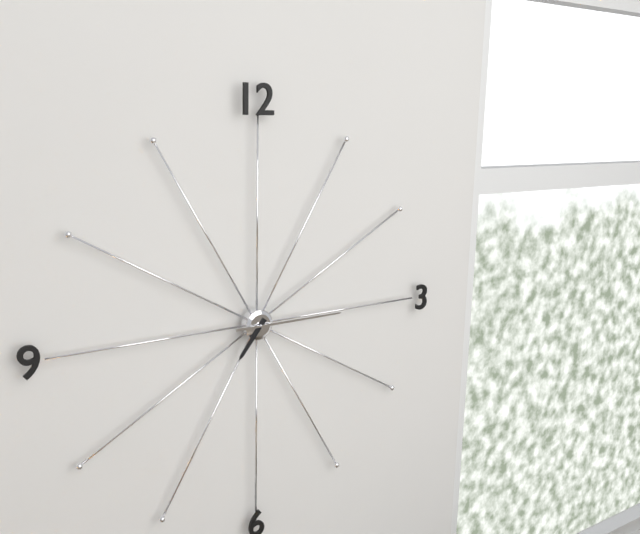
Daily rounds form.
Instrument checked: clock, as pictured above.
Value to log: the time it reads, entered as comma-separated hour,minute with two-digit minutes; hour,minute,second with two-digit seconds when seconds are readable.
7,15
